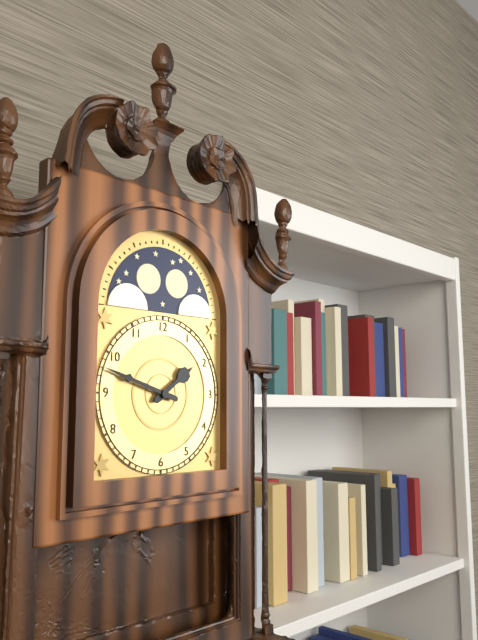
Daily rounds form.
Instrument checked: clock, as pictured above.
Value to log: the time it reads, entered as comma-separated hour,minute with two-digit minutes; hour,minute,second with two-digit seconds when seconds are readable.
1,48
